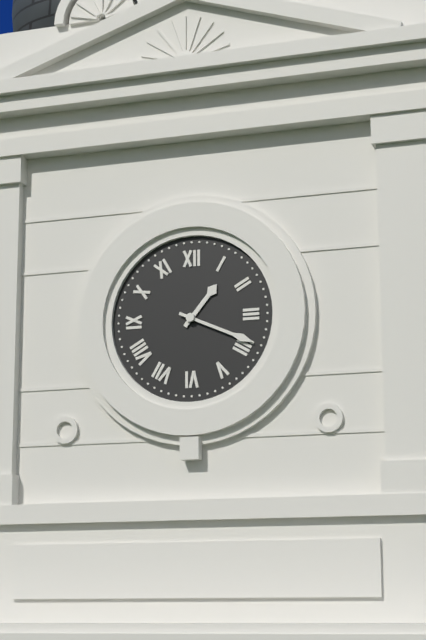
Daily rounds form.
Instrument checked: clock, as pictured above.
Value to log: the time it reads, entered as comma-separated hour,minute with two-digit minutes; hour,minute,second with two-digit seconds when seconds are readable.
1,19
